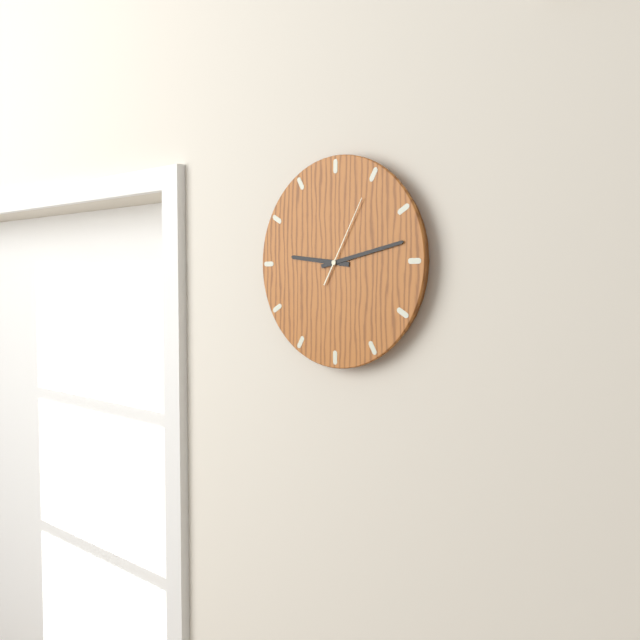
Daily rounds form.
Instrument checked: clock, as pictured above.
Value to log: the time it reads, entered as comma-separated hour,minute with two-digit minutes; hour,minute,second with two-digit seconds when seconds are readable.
9,13,05
